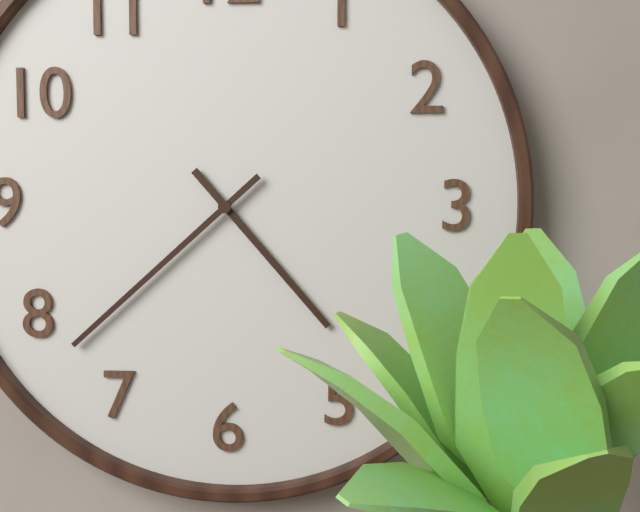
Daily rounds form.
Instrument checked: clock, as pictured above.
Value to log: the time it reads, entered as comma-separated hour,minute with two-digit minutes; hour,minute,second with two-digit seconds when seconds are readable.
4,38
